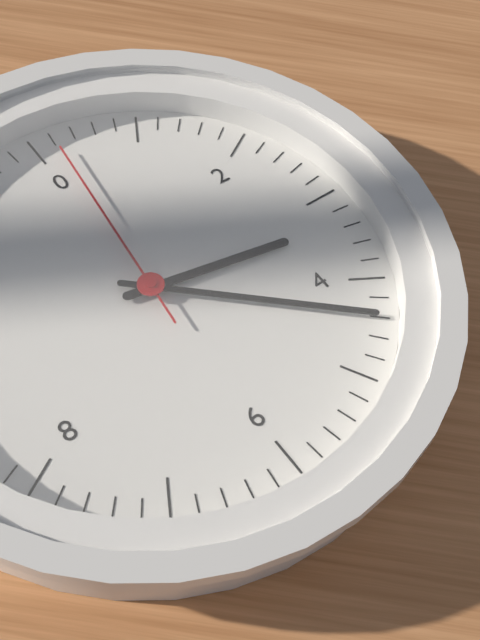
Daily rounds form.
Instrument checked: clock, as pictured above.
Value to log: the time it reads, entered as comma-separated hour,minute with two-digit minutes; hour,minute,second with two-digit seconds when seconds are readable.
3,22,01
